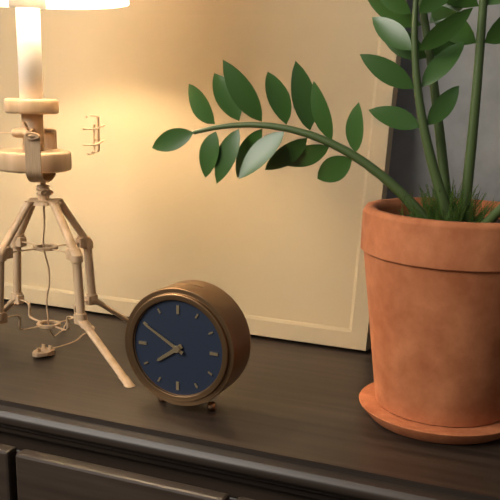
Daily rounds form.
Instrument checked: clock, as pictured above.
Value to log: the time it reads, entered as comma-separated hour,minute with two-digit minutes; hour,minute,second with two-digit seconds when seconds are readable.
7,50
